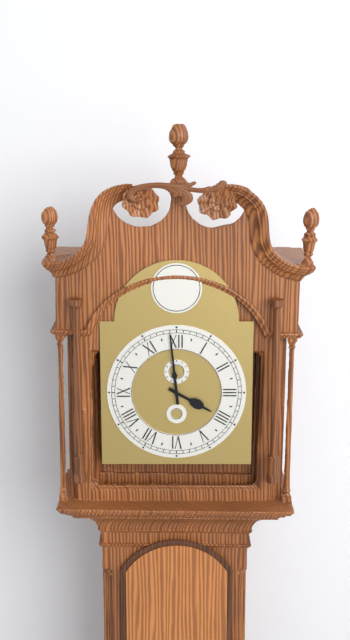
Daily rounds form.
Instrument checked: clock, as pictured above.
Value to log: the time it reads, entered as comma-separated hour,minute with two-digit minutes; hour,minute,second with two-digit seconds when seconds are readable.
3,59
